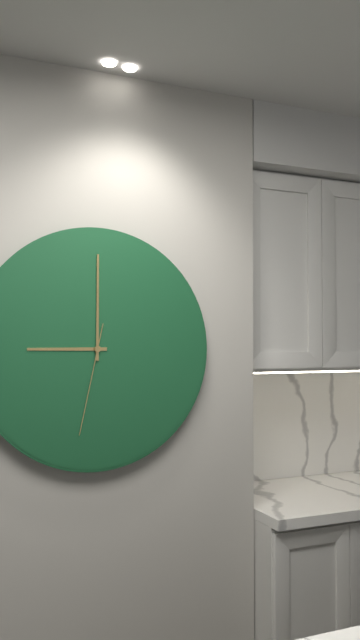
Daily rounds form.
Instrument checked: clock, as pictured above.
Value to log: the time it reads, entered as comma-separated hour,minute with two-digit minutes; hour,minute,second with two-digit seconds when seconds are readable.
9,00,32
